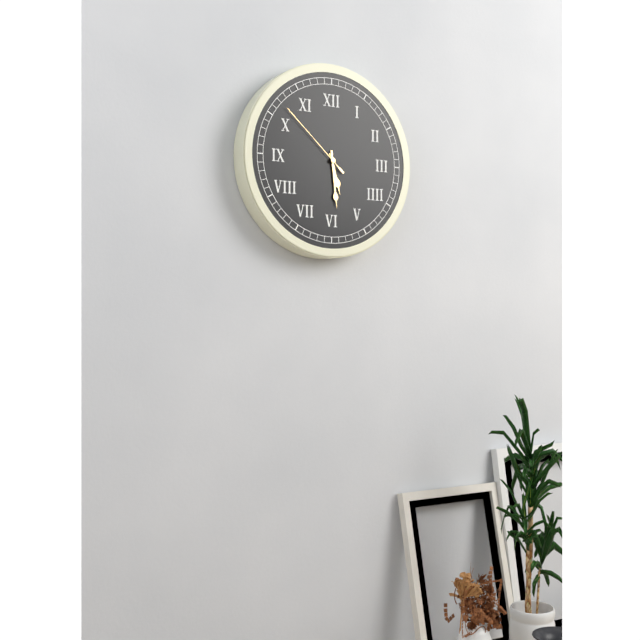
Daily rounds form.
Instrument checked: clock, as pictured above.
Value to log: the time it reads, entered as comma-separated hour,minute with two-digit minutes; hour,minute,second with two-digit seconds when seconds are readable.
5,29,52
